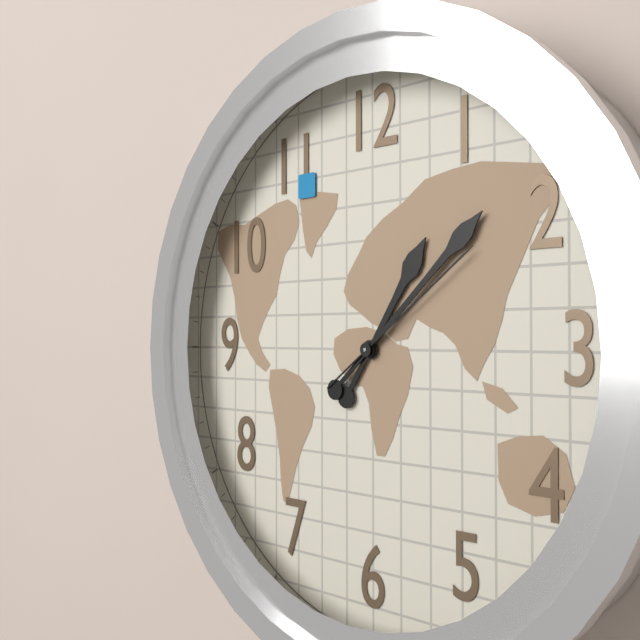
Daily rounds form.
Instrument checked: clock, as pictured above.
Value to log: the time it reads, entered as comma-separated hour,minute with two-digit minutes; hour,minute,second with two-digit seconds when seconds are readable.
1,08,09
